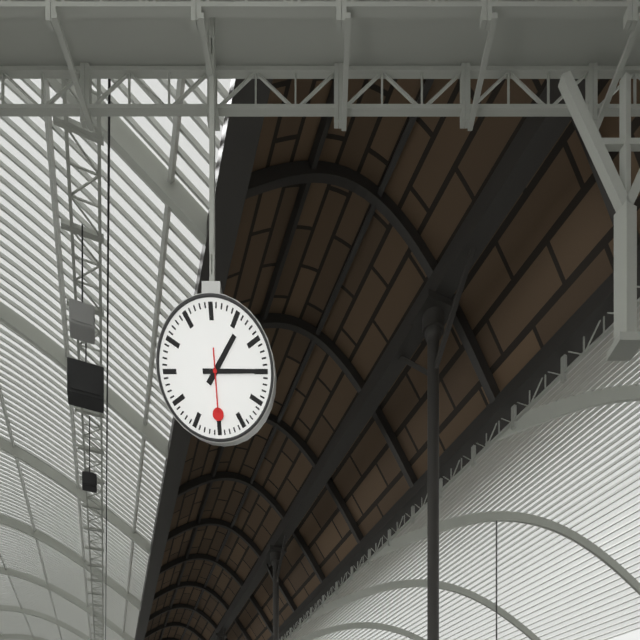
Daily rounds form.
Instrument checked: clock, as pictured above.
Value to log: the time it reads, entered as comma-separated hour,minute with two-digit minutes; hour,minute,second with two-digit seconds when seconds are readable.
1,15,30
